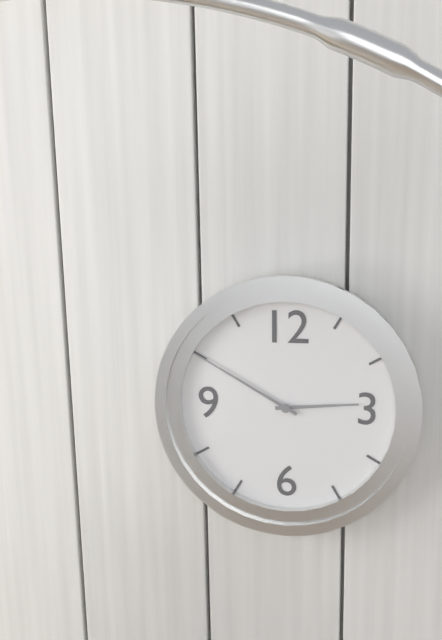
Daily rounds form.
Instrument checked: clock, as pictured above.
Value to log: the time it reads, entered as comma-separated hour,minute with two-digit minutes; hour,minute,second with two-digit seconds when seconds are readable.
2,50
